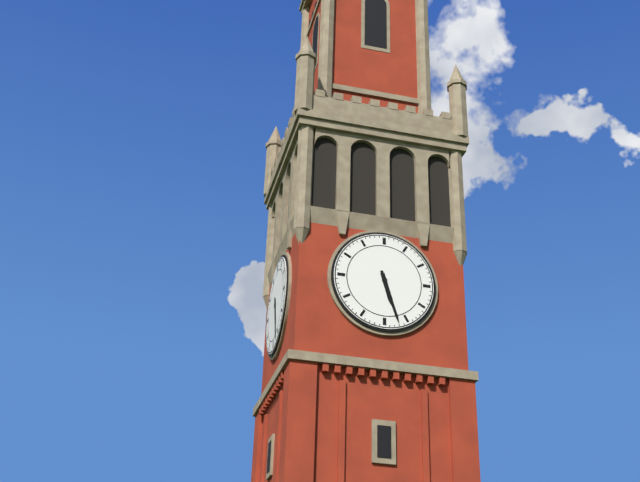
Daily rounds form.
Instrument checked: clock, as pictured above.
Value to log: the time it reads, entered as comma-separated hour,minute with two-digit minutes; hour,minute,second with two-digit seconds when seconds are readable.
5,27
